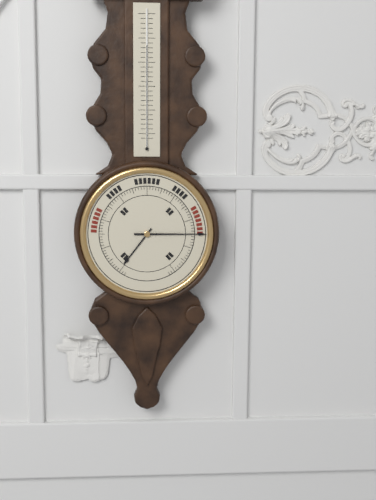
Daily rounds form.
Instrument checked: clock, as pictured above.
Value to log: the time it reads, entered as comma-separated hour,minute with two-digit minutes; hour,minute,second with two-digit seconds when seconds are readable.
7,15
